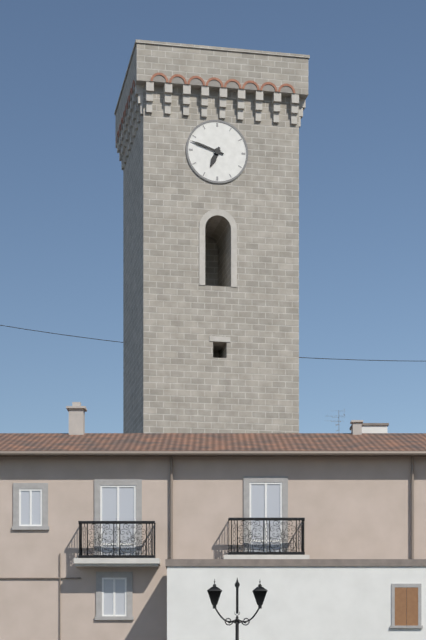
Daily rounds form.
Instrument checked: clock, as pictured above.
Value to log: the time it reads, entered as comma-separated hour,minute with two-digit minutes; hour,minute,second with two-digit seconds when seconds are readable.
6,48
